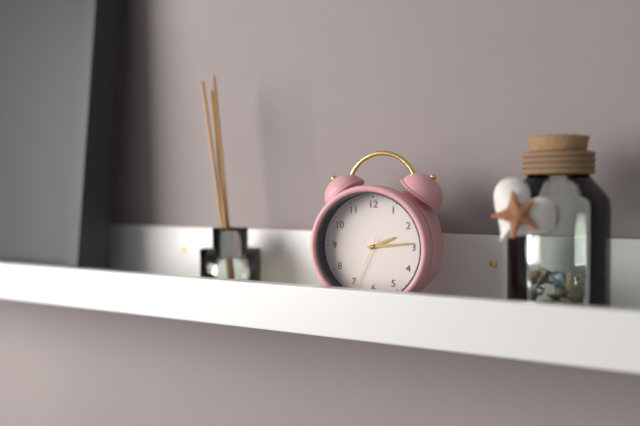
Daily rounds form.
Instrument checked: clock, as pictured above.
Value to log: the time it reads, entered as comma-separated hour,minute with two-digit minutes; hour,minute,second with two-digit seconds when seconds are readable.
2,14,34
